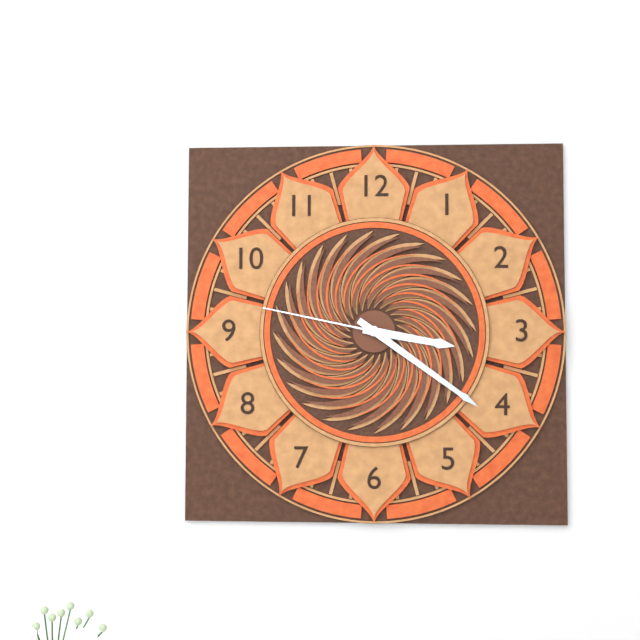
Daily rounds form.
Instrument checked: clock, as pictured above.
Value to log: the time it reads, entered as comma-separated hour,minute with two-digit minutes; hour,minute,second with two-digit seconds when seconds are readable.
3,21,47
